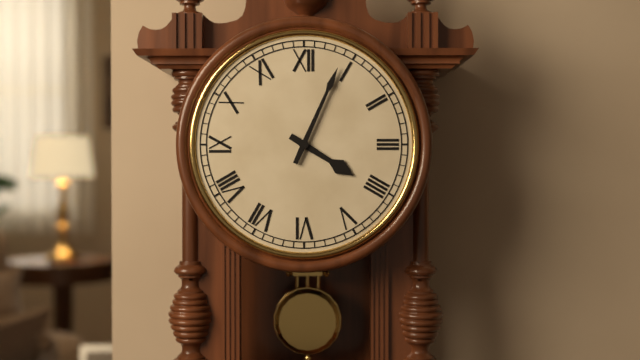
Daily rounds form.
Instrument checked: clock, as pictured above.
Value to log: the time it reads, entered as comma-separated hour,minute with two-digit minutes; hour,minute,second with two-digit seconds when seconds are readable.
4,04
